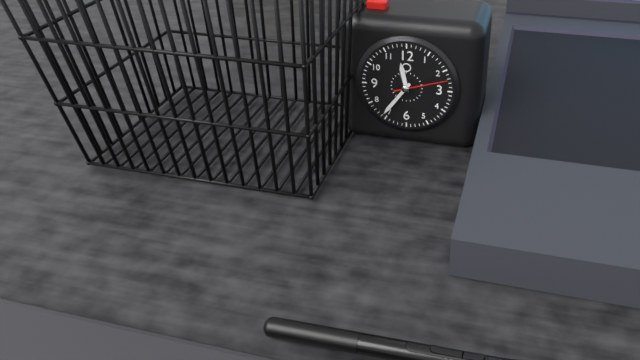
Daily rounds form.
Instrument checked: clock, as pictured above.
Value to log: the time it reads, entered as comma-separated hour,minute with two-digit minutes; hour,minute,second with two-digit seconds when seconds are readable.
11,36,12
